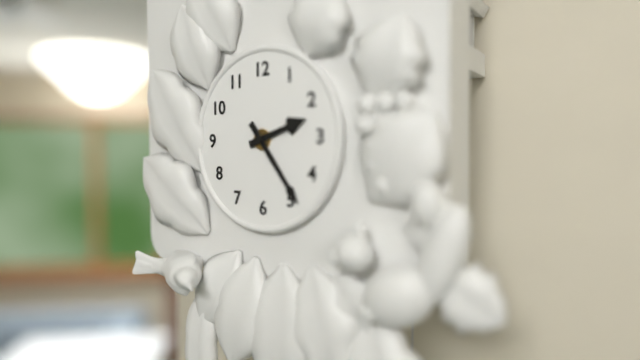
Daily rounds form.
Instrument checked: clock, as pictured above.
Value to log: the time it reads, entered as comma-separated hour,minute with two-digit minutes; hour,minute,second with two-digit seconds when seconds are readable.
2,24
